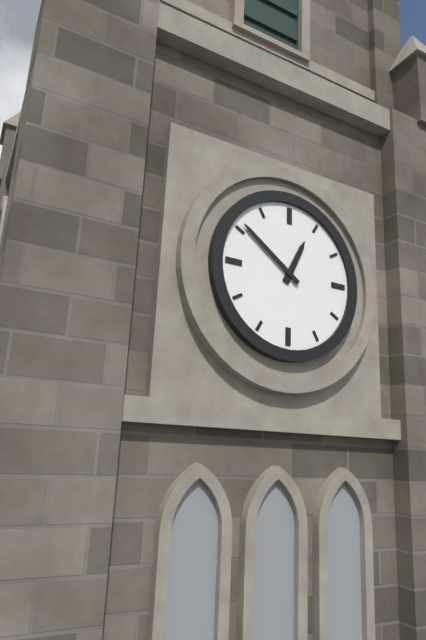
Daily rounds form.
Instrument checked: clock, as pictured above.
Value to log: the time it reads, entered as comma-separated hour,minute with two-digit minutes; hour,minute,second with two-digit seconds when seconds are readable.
12,51
